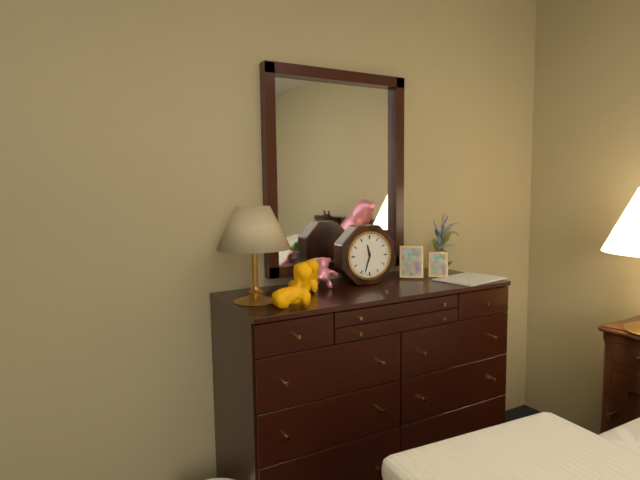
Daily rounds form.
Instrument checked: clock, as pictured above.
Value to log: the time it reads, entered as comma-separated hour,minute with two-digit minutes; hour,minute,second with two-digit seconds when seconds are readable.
11,33
